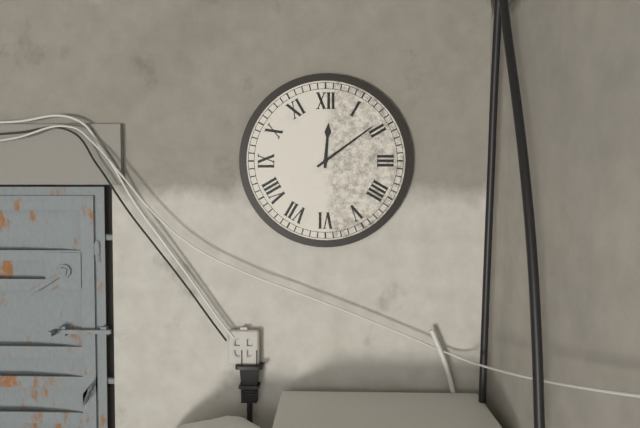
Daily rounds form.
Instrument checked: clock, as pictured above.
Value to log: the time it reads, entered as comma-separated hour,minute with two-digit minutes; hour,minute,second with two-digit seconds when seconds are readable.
12,09
